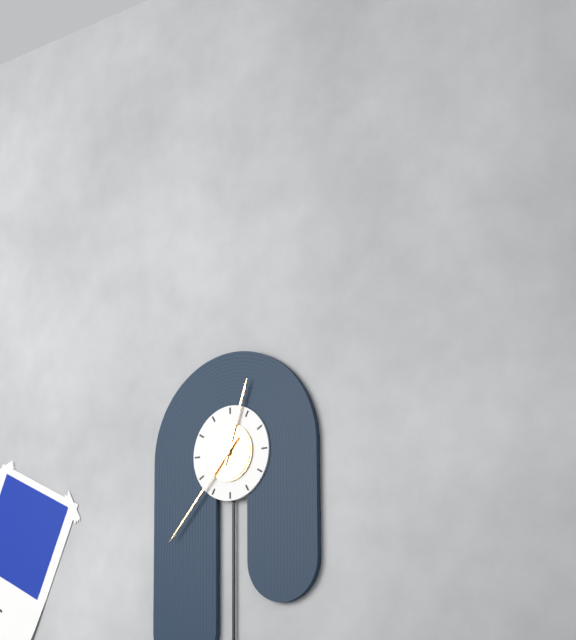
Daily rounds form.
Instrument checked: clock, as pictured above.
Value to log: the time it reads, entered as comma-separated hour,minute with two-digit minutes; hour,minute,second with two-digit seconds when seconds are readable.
12,37
